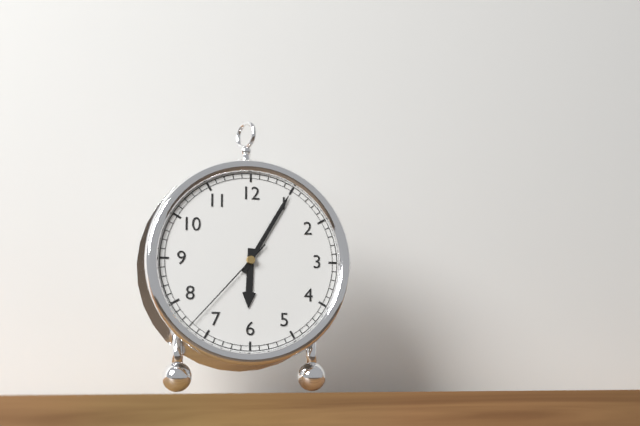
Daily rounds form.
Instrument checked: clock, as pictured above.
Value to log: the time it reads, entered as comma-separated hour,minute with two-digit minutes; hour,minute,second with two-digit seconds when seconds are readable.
6,05,37
